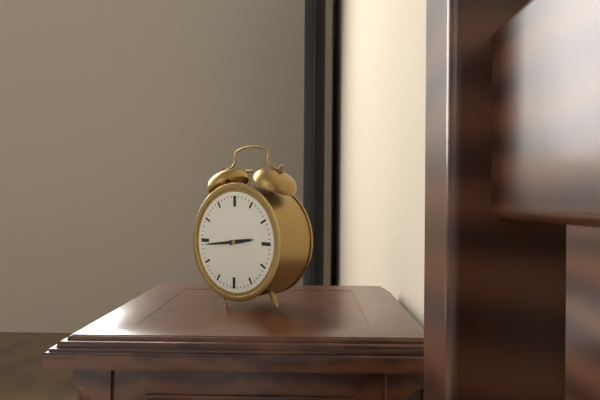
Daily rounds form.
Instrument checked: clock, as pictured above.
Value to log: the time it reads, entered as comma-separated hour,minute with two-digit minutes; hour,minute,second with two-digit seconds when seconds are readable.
2,44
